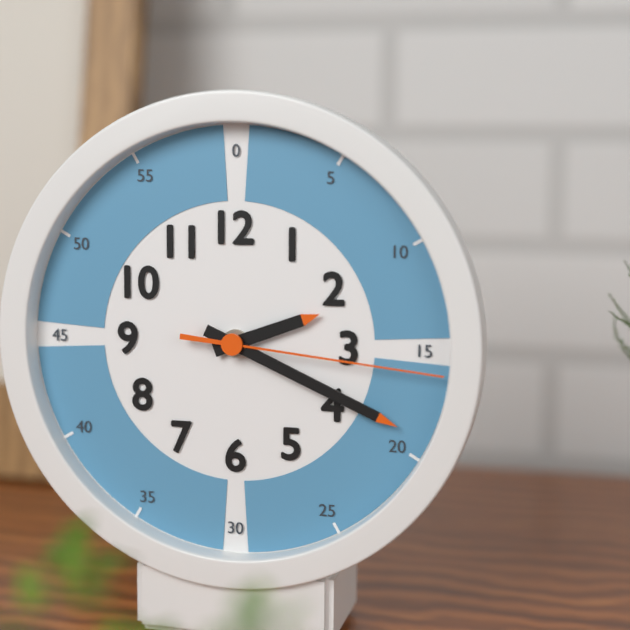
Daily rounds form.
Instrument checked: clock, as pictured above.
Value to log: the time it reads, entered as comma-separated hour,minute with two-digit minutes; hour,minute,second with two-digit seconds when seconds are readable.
2,19,16
